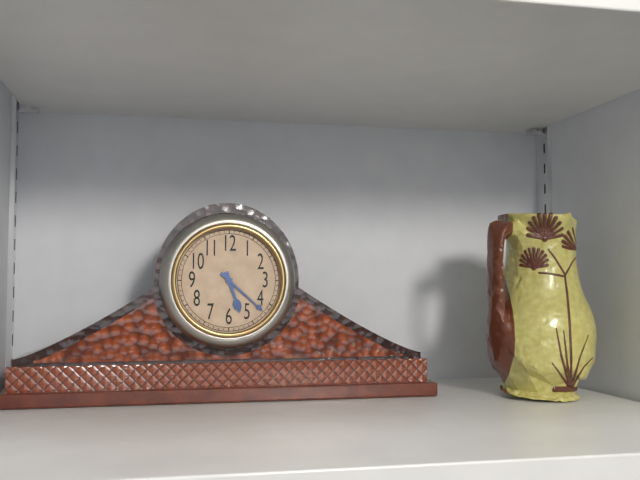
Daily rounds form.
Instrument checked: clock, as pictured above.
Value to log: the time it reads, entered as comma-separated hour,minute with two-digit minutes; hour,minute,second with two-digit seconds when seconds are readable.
5,22
